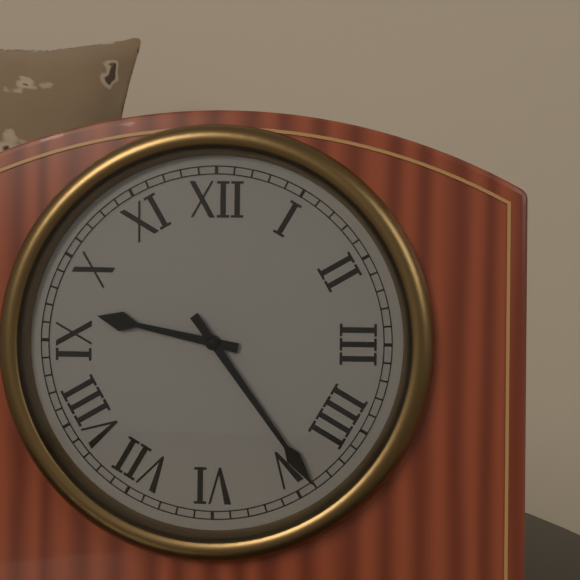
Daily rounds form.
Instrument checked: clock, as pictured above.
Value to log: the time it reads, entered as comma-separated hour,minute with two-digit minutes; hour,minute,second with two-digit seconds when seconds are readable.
9,24
